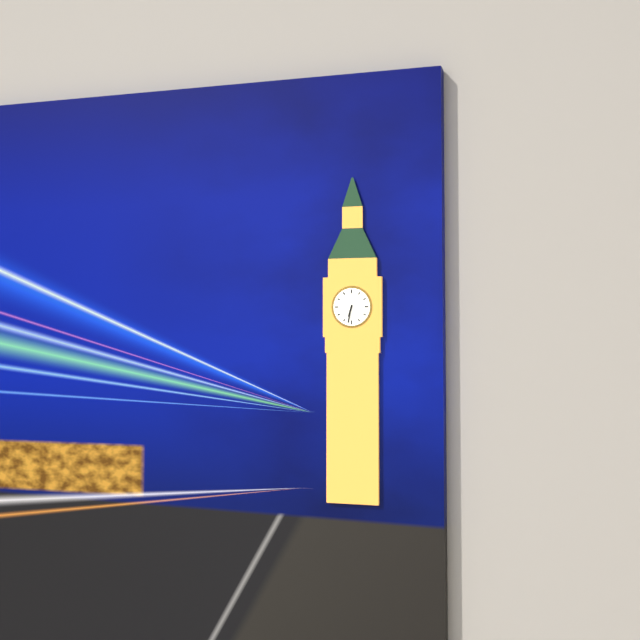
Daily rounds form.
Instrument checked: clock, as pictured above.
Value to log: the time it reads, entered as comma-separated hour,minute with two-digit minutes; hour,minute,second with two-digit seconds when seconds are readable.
6,32
